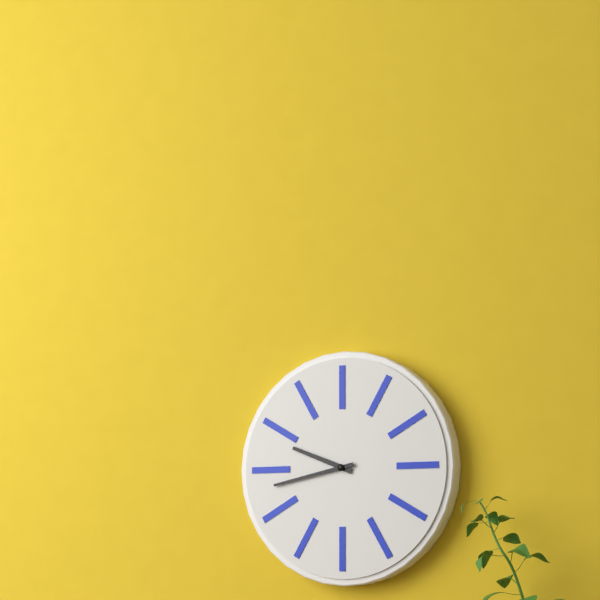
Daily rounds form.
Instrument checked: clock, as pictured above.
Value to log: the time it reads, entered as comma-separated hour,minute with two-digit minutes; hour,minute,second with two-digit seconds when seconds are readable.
9,43
